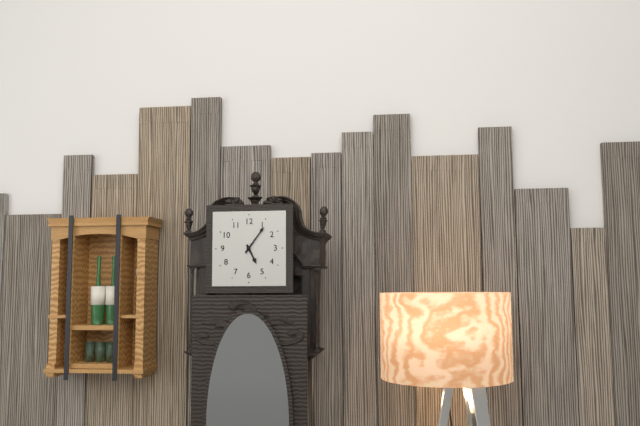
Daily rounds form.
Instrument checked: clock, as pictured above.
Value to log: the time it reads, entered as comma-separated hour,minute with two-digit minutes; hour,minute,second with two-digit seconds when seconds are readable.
5,06
